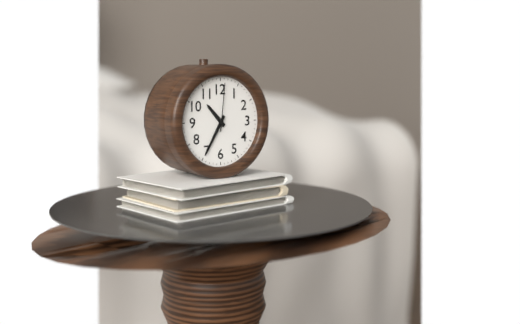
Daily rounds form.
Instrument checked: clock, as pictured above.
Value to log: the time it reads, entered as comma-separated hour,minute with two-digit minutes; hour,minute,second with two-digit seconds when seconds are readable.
10,35
